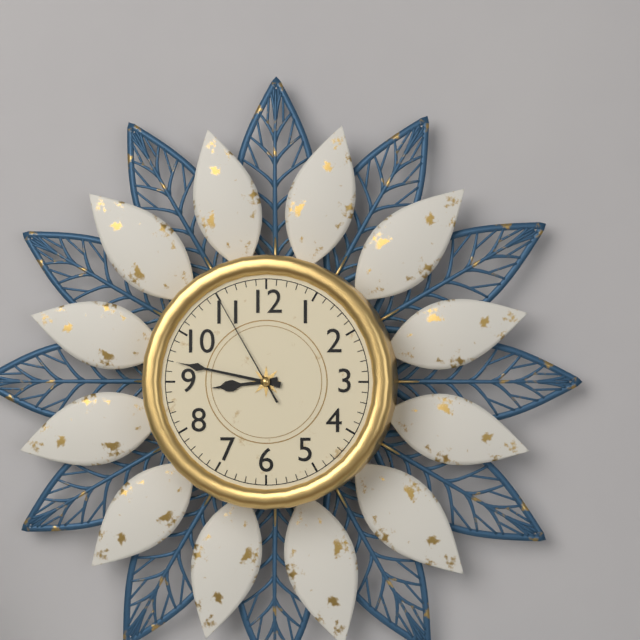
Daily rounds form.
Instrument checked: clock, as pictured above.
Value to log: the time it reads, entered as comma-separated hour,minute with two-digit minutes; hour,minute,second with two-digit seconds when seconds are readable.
8,47,55
